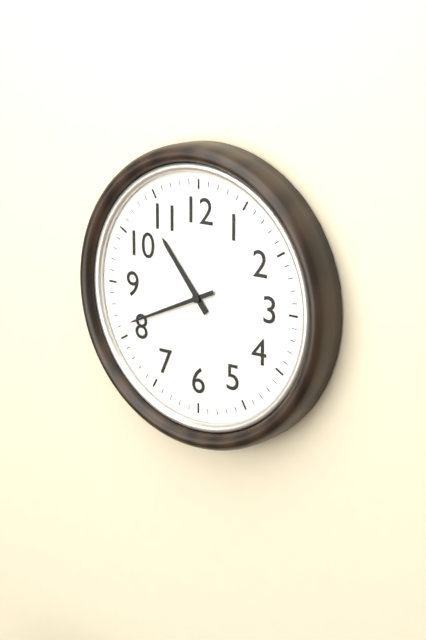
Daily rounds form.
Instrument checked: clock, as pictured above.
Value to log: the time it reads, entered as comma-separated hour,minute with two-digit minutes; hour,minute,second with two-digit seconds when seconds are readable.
10,41
